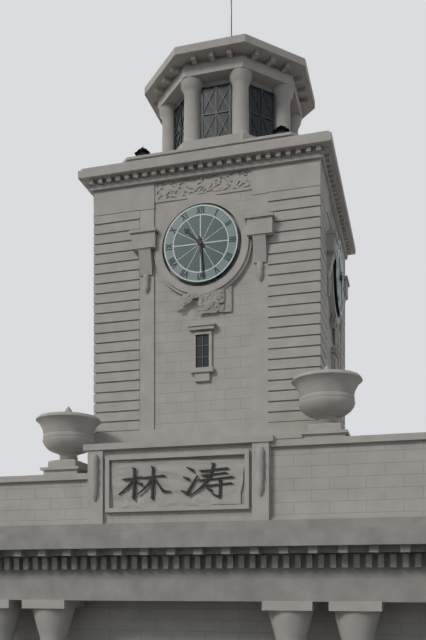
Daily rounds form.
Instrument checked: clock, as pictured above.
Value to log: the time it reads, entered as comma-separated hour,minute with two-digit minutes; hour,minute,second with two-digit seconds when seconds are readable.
10,29
